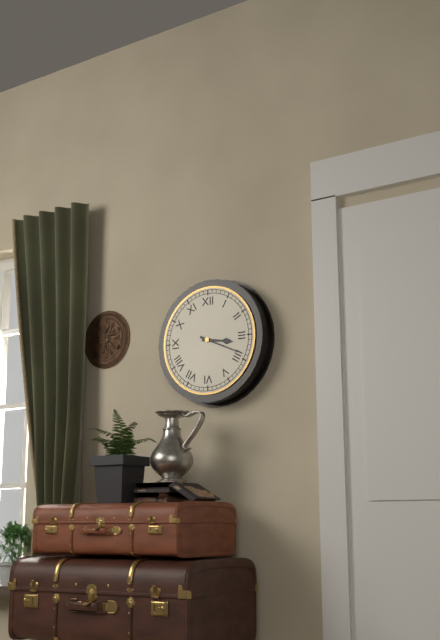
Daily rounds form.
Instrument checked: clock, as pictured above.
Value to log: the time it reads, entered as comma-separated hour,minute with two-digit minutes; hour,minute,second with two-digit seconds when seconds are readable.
3,19
